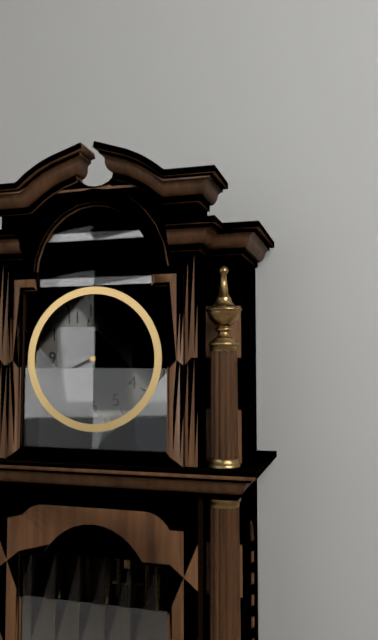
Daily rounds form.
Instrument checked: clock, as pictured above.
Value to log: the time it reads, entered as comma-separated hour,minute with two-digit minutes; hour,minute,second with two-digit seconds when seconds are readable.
11,41
